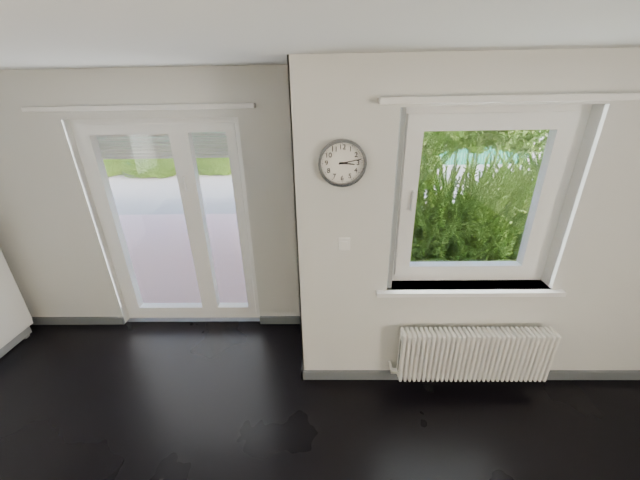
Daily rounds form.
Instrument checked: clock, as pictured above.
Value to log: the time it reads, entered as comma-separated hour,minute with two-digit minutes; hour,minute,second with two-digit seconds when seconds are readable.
3,13
